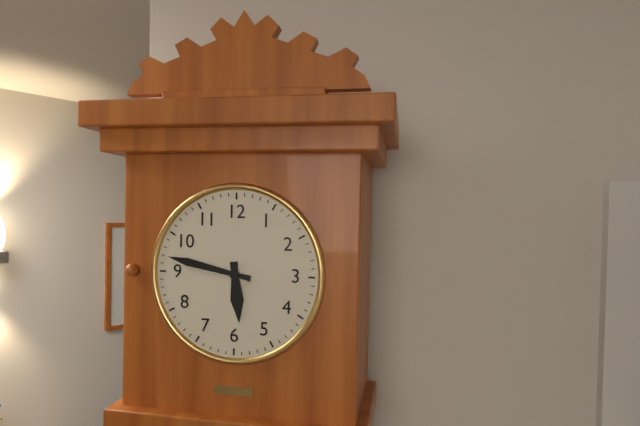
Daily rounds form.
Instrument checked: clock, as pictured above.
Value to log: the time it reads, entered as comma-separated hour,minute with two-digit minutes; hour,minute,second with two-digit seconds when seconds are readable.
5,47
